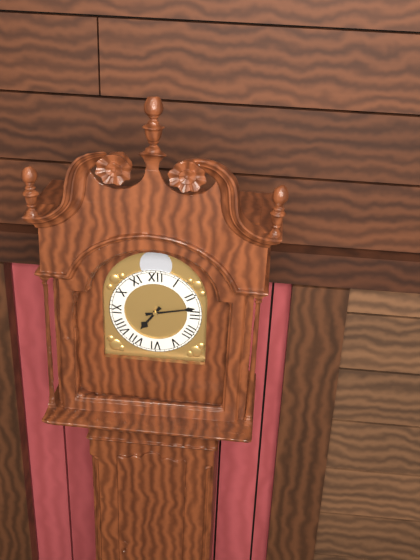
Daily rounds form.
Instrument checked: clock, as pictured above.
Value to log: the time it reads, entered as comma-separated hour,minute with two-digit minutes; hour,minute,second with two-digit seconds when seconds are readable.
7,13
